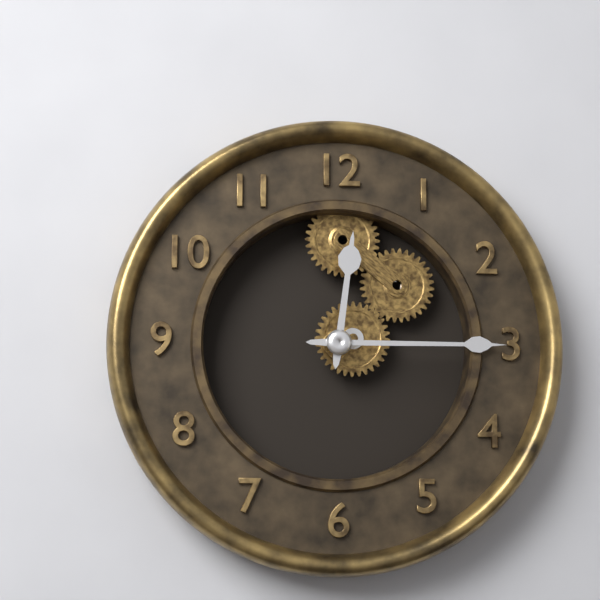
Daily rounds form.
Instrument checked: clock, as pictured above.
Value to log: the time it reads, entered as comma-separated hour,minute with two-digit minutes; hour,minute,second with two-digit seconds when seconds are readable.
12,15
